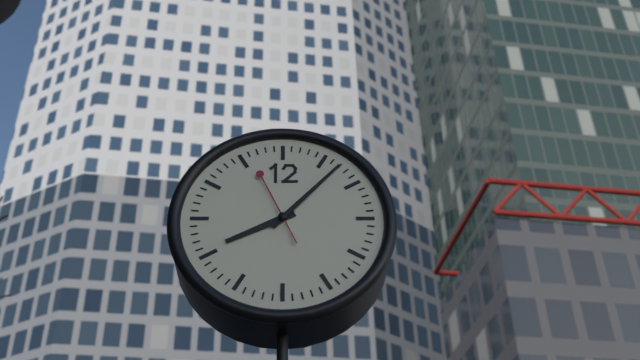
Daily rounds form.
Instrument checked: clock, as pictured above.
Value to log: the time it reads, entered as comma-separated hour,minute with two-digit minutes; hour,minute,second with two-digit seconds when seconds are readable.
8,07,56
